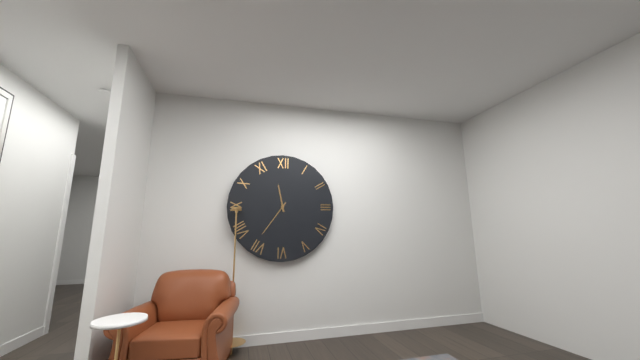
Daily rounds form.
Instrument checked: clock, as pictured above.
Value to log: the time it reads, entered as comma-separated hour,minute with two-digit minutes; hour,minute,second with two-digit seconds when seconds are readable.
11,36
